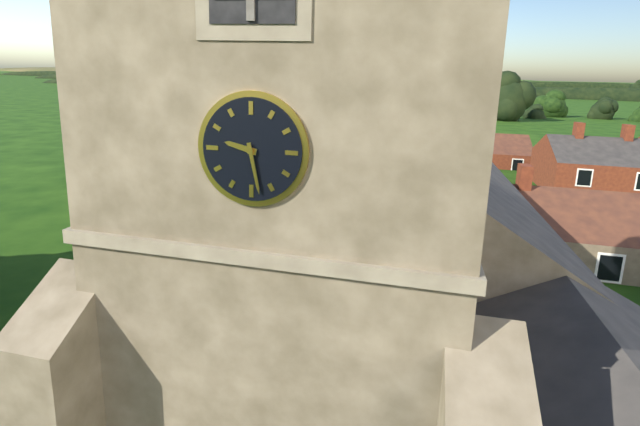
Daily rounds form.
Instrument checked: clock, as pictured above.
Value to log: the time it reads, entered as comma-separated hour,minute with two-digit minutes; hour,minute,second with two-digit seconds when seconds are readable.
9,28
